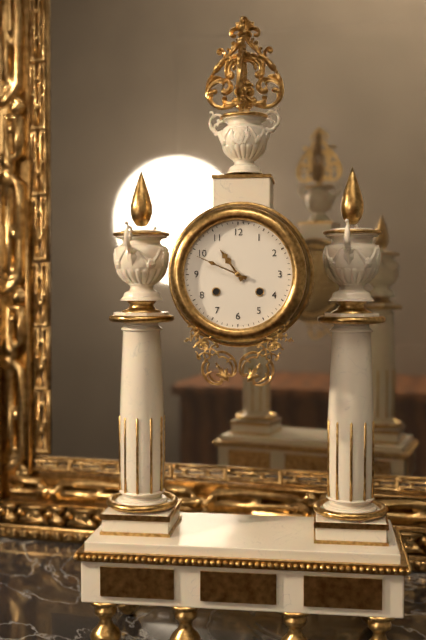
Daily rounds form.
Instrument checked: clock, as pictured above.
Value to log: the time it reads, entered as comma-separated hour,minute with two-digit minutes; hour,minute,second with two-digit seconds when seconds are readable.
10,49
